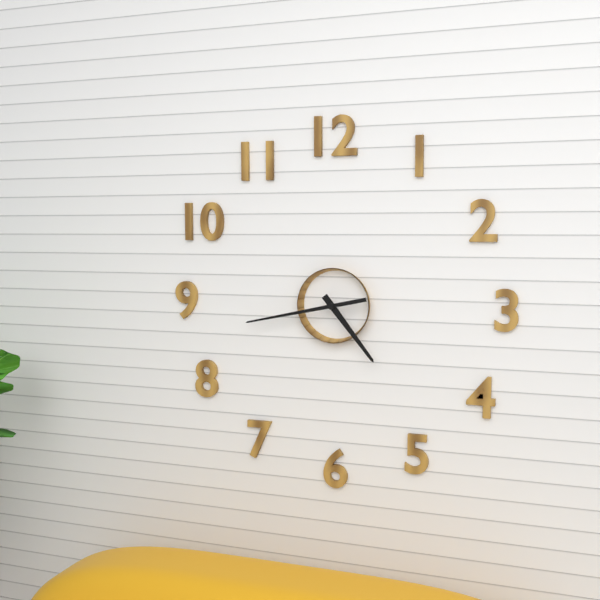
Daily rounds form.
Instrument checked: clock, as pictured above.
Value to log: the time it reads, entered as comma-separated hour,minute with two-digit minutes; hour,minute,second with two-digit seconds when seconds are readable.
4,43
